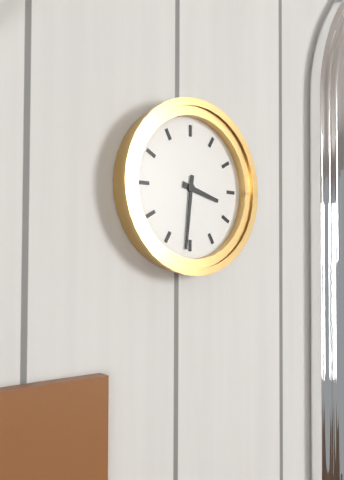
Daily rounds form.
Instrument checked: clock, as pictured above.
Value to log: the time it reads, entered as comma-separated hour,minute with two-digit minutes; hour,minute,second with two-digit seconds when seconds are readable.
3,31
